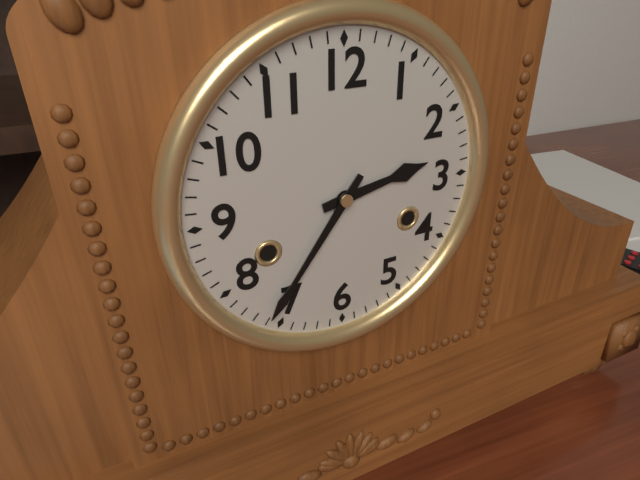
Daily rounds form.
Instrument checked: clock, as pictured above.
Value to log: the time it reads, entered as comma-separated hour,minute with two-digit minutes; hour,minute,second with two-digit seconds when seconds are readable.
2,36
